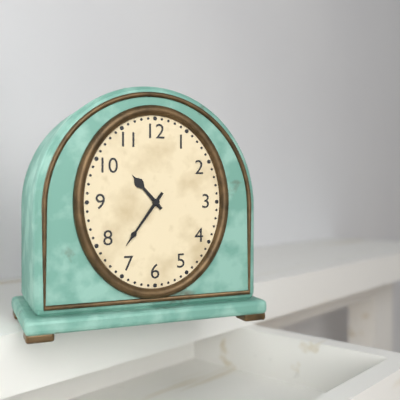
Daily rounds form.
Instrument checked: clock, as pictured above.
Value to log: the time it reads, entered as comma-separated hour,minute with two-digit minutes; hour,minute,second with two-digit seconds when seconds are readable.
10,36
